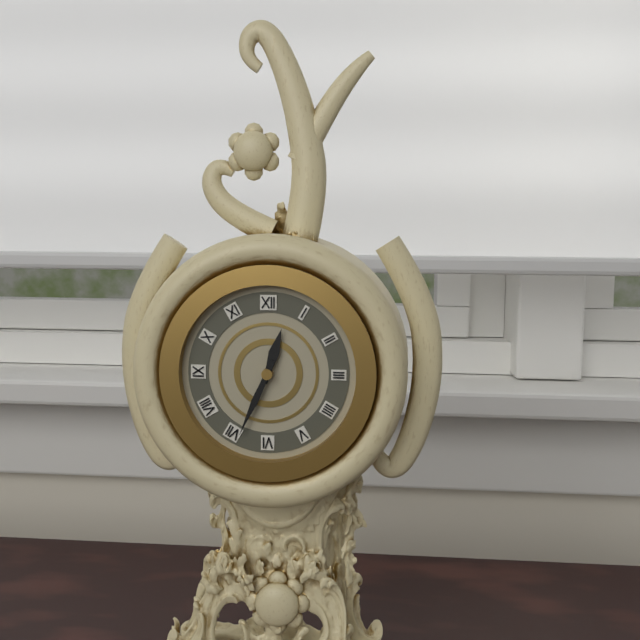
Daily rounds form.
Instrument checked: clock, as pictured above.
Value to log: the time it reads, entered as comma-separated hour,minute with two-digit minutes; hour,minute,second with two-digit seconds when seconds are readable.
12,34
